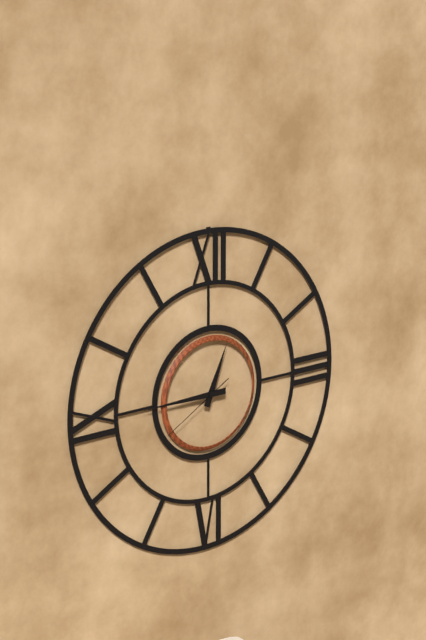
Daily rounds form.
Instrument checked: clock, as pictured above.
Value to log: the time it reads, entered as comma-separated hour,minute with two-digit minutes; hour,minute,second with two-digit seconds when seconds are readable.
12,45,40
